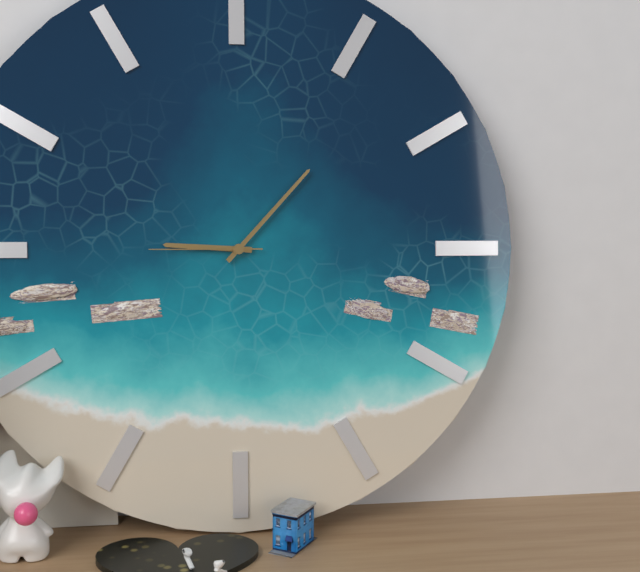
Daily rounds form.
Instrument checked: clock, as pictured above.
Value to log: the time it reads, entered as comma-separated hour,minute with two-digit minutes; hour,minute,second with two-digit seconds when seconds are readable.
9,07,45
